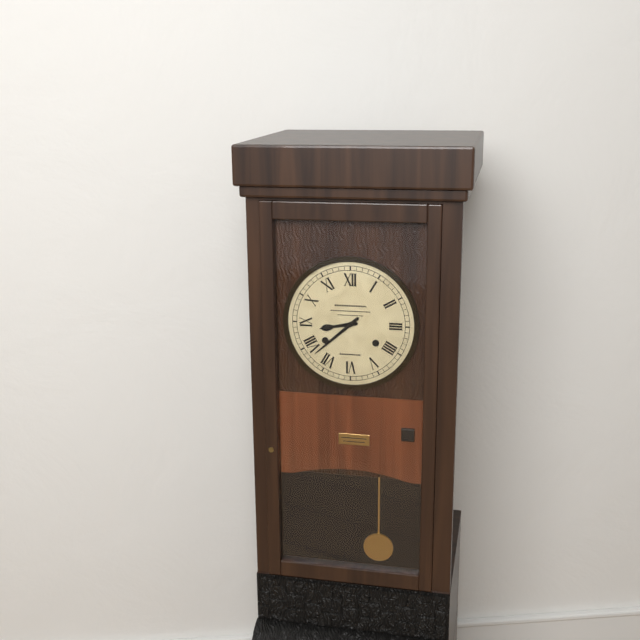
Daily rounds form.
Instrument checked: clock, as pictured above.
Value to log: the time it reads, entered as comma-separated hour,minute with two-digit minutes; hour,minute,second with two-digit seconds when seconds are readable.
8,38
